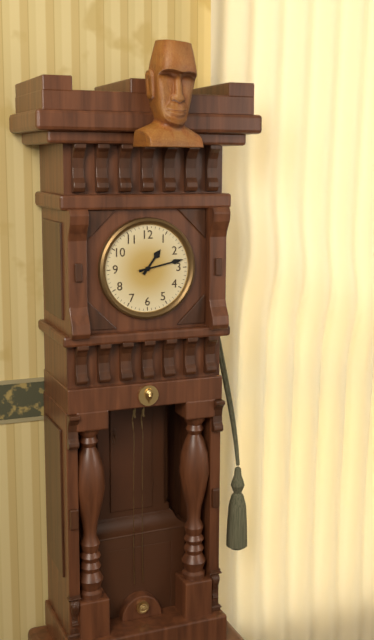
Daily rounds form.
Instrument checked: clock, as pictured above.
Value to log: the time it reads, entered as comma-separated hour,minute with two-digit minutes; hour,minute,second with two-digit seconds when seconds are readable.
1,13
